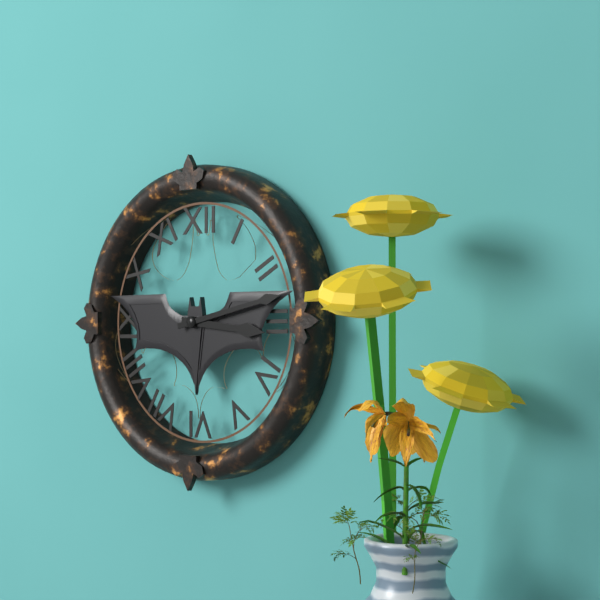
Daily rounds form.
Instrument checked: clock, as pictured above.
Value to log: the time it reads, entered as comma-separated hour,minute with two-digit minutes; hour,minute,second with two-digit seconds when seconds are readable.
3,13
